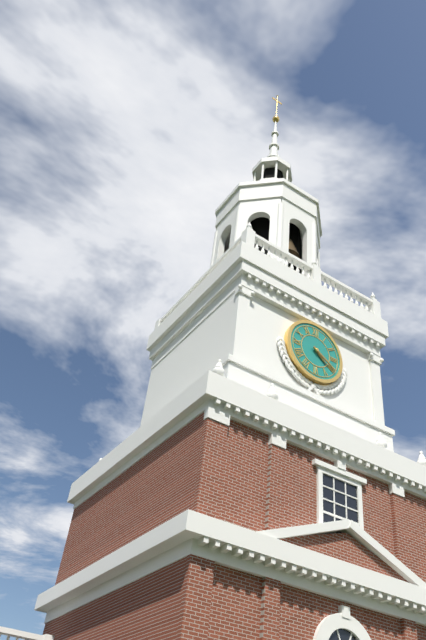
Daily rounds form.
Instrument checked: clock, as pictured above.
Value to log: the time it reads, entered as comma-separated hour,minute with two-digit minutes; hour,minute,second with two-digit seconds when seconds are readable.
4,20
